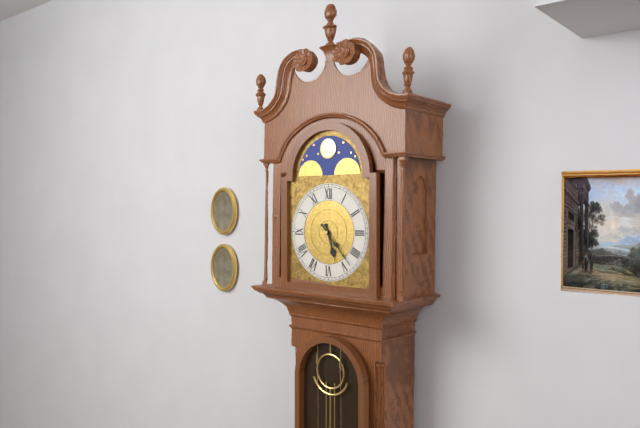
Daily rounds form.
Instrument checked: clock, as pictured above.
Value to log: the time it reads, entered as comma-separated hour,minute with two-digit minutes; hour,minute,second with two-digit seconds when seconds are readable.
5,23
